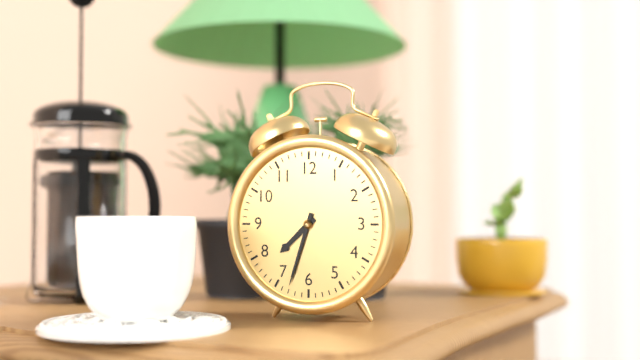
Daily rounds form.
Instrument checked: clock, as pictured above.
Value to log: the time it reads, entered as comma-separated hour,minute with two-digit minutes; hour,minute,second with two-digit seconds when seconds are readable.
7,33
